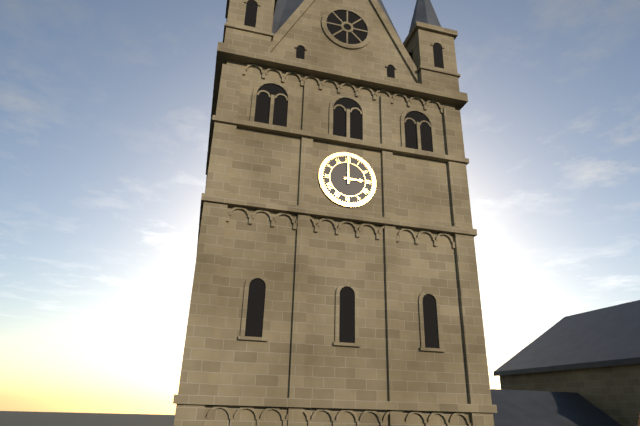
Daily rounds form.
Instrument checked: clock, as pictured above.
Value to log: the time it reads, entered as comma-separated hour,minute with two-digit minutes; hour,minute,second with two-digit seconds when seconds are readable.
3,00
